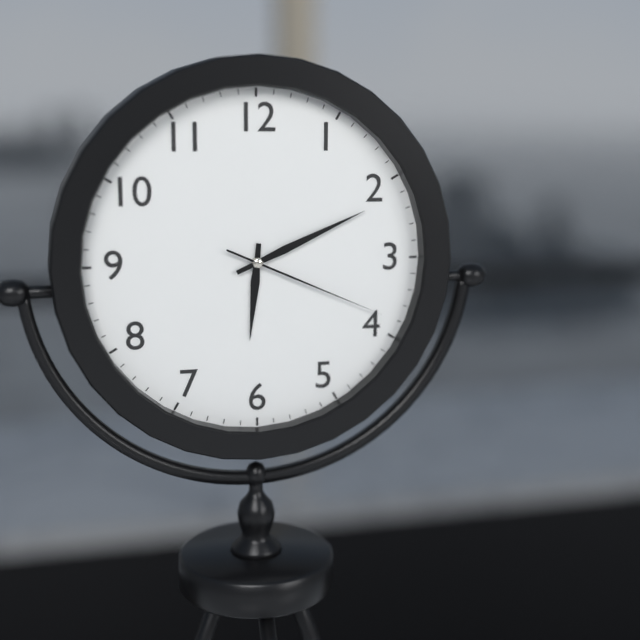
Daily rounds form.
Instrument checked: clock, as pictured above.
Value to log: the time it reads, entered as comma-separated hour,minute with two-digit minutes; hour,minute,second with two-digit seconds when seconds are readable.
6,11,19
